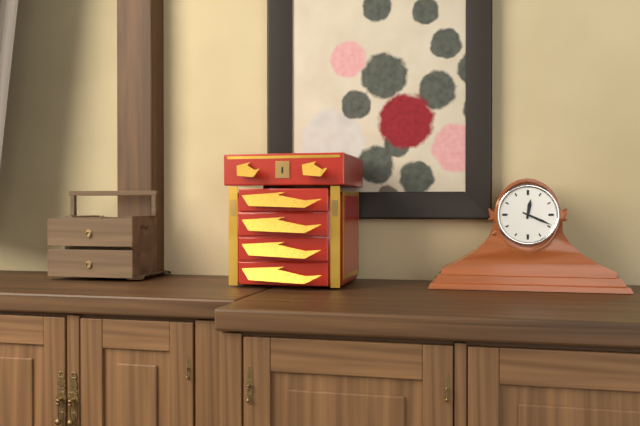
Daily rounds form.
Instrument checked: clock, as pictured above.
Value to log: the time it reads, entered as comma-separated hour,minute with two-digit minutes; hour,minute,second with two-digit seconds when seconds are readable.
12,19
